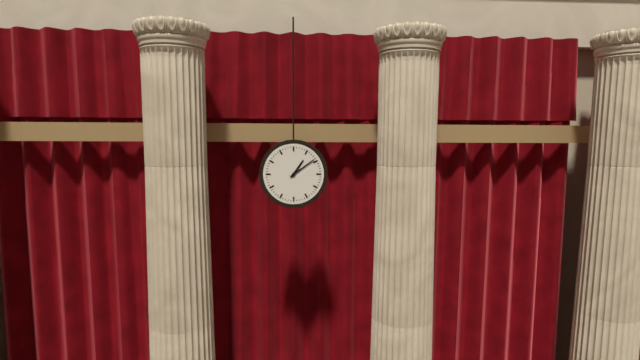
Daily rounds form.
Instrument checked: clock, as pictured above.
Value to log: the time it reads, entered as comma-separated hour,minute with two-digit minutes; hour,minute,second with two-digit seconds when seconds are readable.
1,09
